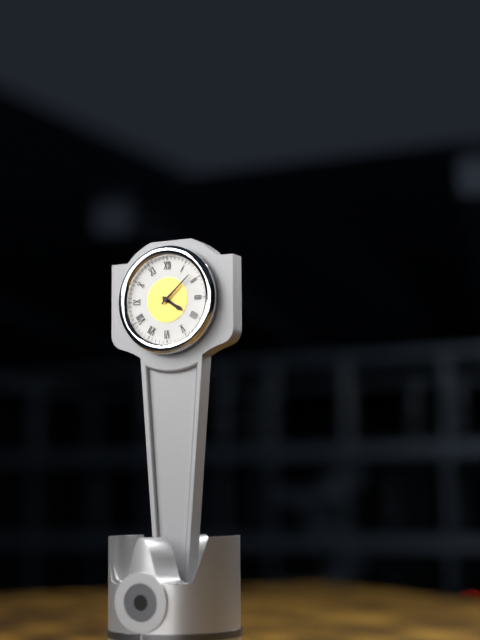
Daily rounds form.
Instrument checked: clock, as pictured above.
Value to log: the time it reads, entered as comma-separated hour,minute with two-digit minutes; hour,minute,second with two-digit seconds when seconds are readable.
4,08
